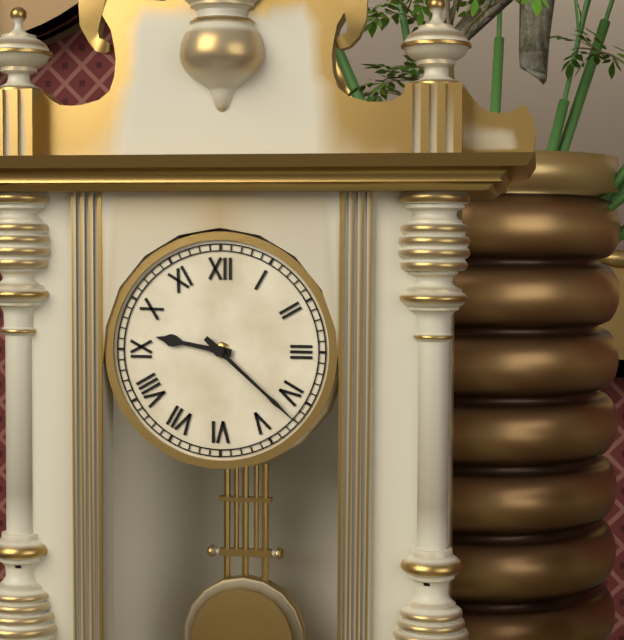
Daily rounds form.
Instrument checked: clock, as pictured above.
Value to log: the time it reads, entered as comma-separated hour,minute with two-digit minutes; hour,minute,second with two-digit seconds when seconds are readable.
9,22
